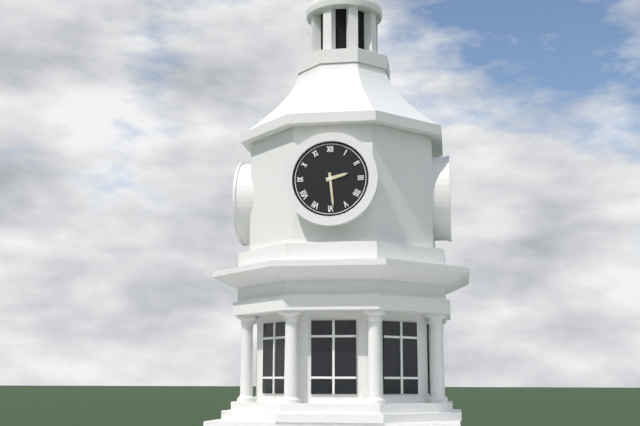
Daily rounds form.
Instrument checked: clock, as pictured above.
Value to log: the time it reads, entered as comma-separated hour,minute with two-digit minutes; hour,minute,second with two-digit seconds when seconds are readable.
2,29
